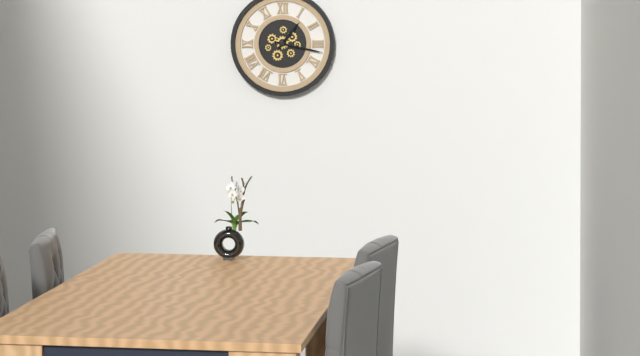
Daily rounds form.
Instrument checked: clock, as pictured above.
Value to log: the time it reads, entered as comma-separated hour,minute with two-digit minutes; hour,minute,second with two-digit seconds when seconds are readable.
1,17
